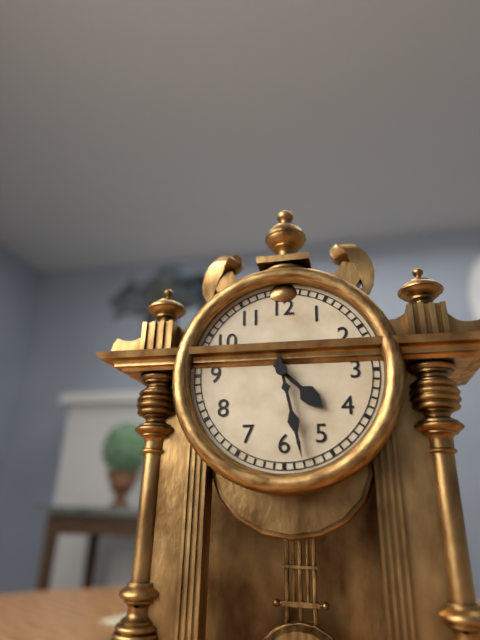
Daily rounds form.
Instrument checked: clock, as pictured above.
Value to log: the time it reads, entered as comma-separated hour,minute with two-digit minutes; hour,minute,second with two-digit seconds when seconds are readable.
4,28
